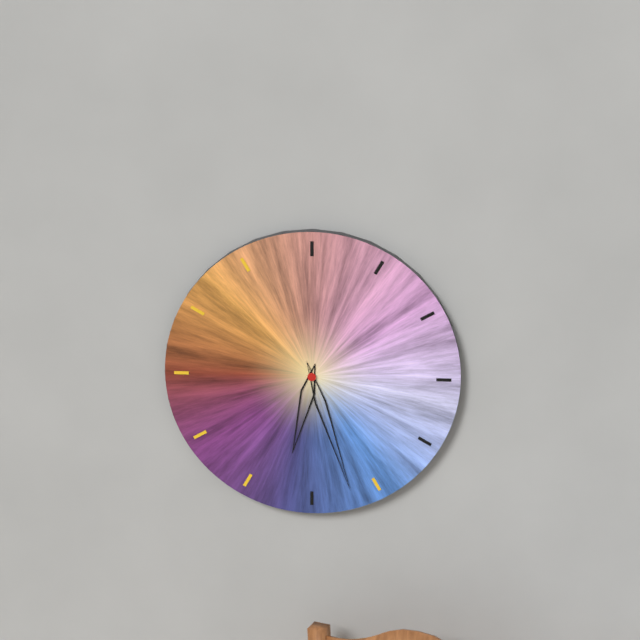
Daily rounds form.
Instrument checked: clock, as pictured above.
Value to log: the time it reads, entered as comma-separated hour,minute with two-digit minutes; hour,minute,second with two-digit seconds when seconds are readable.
6,27
